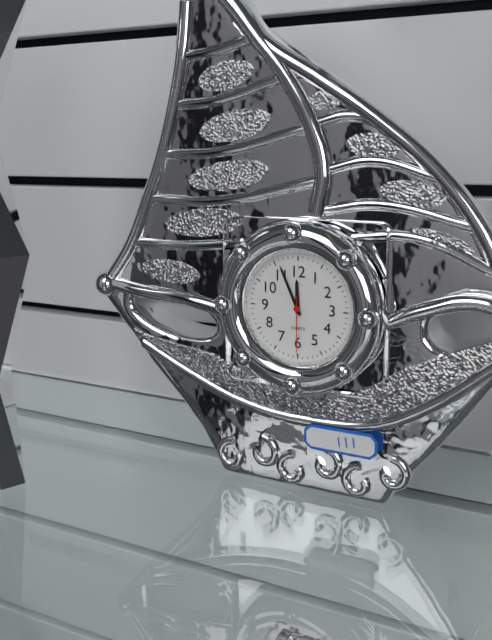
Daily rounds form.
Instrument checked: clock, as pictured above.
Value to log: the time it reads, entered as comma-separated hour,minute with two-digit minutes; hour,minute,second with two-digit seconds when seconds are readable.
11,56,30
